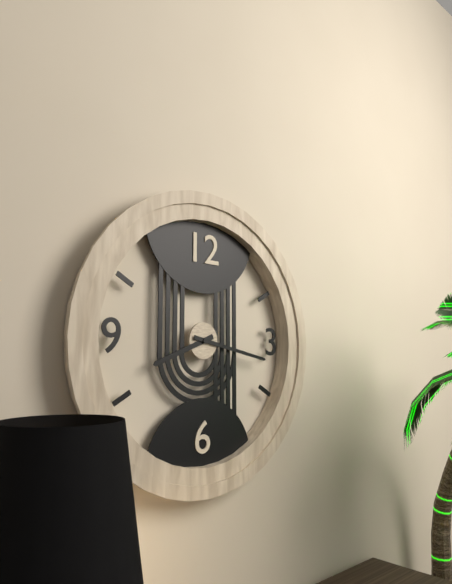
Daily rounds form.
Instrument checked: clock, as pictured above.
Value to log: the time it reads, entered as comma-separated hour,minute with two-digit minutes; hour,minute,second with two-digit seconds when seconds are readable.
8,17
